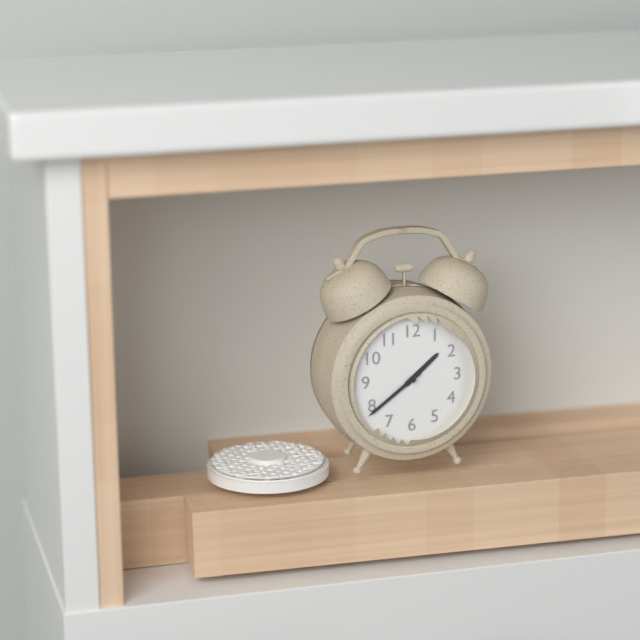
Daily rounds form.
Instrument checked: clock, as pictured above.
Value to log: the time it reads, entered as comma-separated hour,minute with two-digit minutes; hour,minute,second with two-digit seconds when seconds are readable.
1,39
